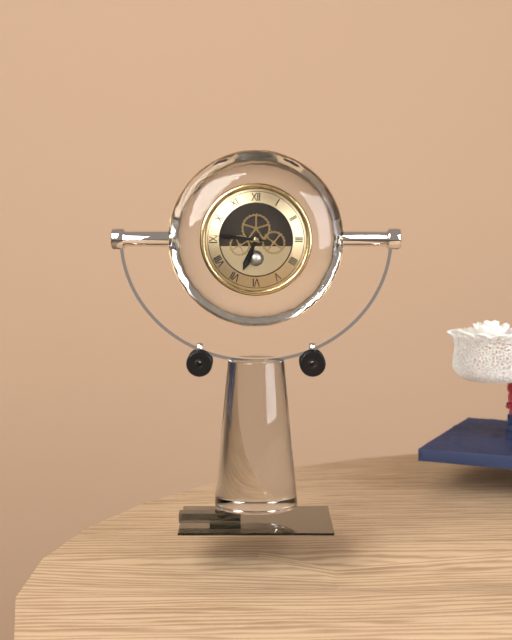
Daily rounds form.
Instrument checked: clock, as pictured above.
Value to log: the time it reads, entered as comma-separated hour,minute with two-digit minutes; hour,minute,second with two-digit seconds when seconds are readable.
6,46
